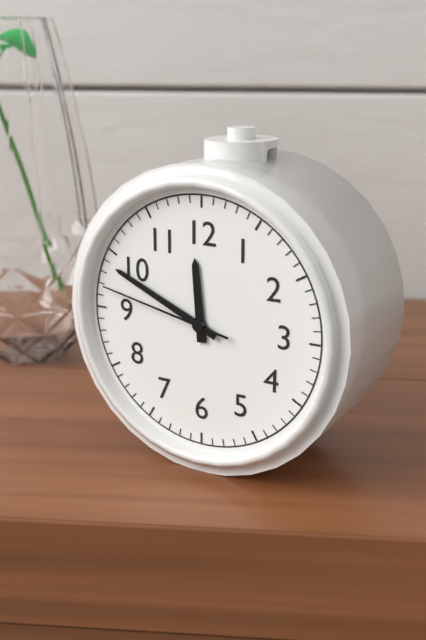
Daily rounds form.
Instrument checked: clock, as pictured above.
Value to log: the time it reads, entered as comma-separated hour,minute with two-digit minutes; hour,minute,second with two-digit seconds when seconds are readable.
11,49,47
